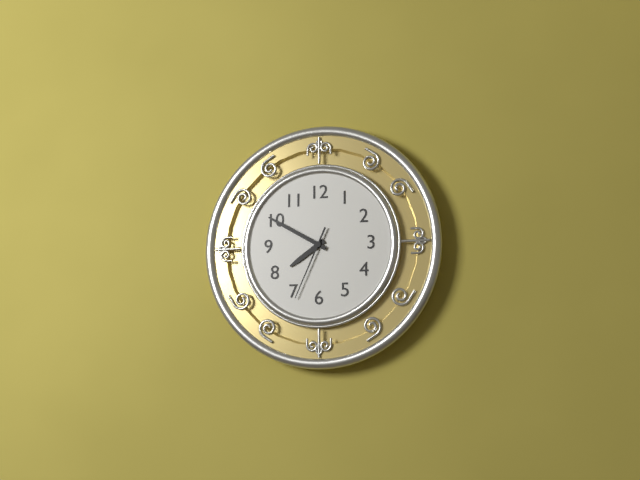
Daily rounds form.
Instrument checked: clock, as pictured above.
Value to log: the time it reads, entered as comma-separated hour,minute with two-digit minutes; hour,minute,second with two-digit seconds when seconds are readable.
7,50,34
